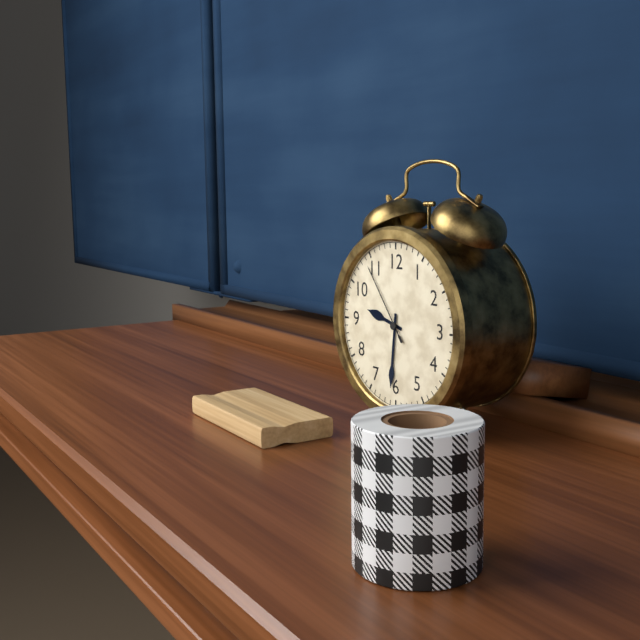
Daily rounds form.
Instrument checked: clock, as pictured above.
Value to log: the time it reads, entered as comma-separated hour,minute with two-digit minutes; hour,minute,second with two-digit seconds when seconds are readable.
9,31,54
